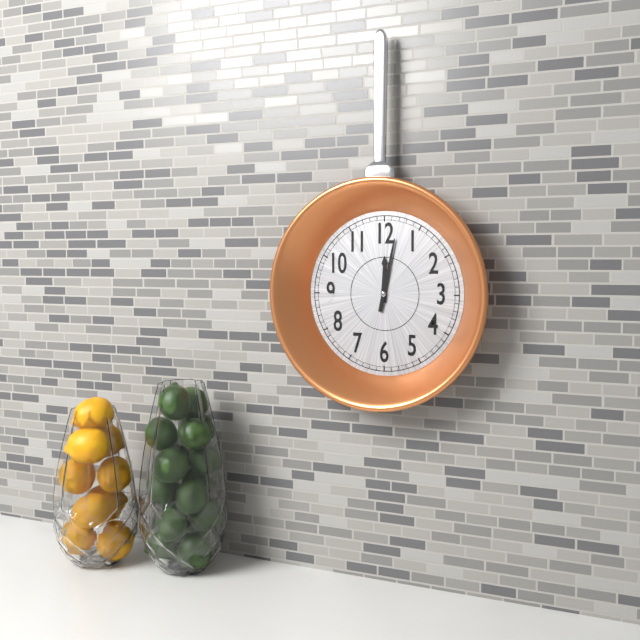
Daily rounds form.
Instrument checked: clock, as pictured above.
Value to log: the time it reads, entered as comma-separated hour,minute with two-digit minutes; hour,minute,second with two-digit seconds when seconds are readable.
12,02
